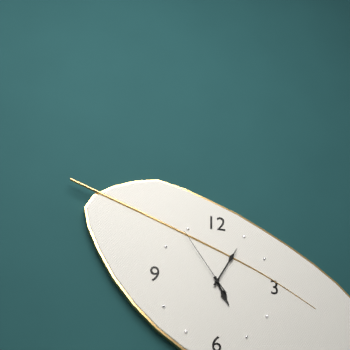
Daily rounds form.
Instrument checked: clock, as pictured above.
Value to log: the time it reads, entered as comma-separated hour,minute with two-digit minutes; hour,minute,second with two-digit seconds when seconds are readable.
5,05,54
